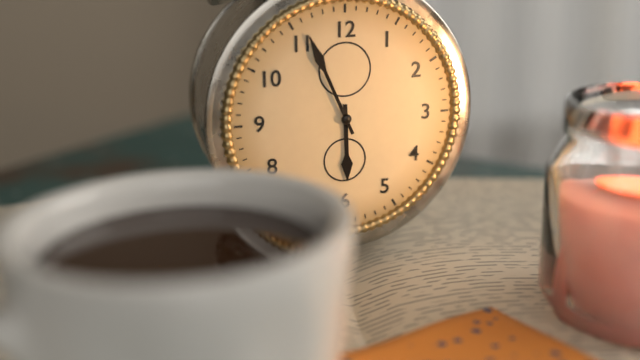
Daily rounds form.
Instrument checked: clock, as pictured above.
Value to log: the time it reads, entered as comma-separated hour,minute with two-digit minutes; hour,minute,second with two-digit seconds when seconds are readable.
5,56
